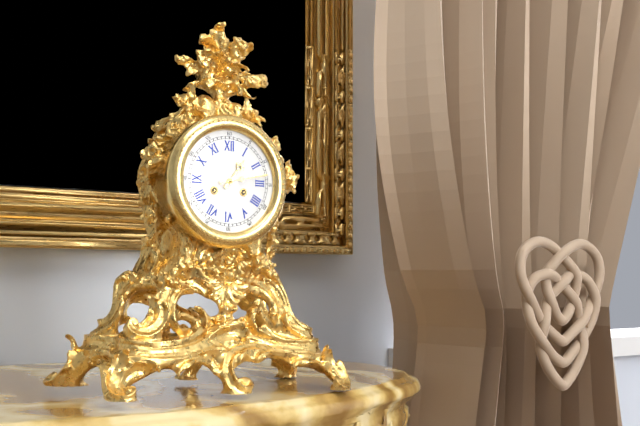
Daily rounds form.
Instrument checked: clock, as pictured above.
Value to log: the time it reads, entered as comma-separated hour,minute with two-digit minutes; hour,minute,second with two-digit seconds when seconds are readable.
1,13
